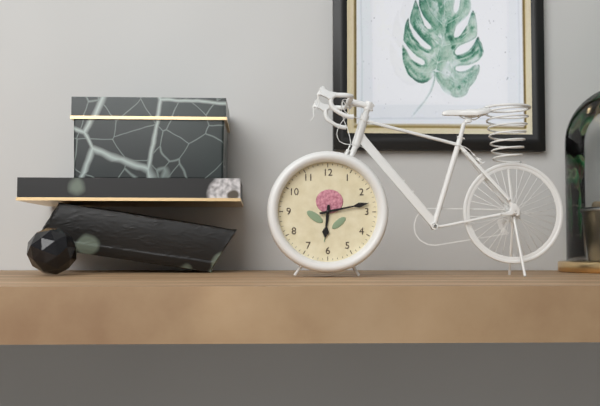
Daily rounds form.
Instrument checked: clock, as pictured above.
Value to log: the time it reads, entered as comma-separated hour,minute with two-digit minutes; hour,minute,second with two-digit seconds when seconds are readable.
6,13
